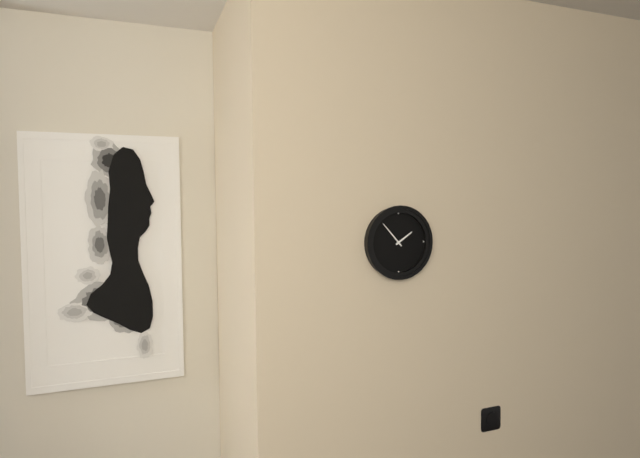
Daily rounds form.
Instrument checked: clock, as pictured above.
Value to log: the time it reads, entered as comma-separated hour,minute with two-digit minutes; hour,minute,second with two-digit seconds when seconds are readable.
1,53
